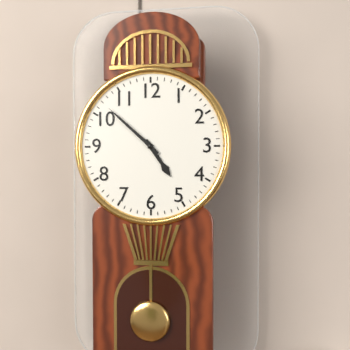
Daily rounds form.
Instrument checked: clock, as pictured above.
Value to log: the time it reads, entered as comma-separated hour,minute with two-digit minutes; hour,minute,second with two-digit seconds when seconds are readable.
4,52
